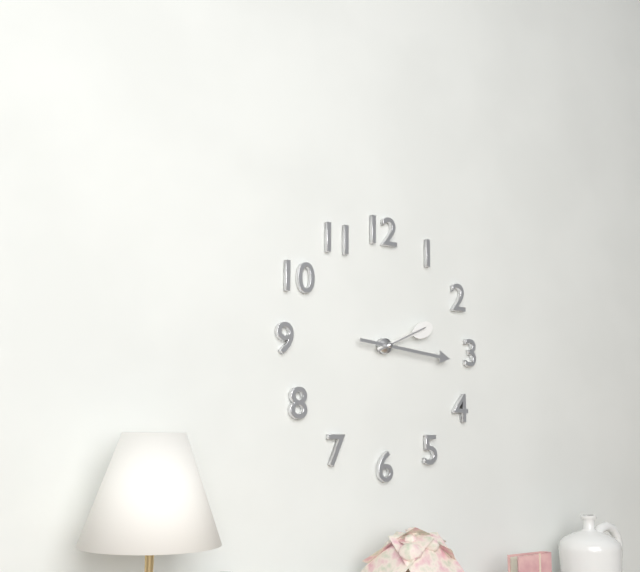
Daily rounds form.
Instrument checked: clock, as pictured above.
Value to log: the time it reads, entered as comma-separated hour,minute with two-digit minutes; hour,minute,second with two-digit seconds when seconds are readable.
2,16,11
